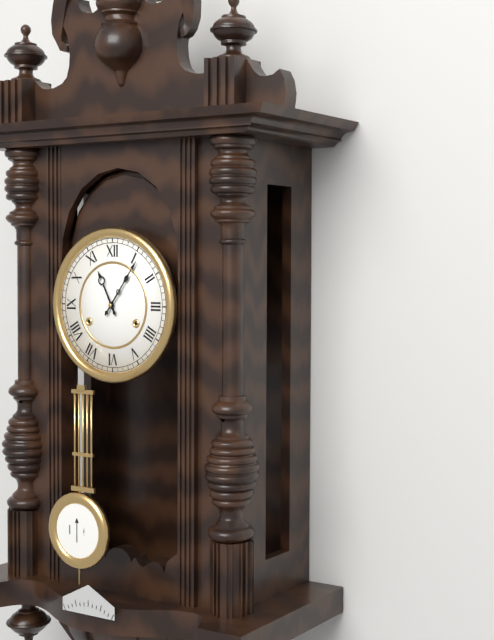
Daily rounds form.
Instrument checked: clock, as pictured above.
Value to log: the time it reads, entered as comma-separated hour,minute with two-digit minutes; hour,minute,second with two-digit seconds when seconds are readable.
11,06
